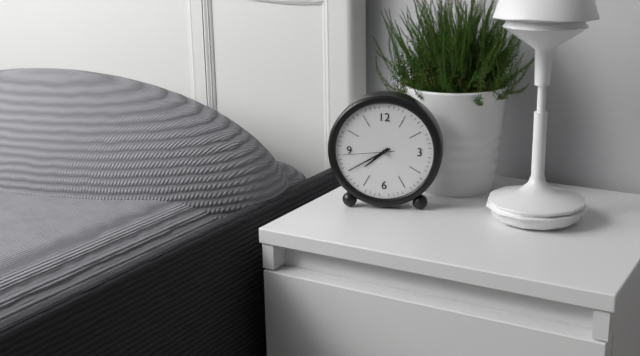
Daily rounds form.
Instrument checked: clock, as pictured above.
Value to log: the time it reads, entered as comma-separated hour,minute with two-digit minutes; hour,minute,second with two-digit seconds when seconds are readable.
7,40,44
